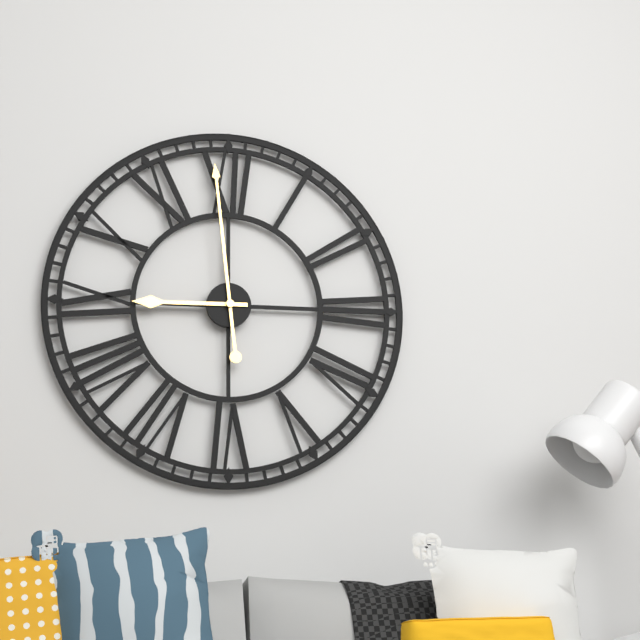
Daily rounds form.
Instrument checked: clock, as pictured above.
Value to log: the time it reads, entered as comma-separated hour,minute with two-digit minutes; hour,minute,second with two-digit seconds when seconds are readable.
8,59
